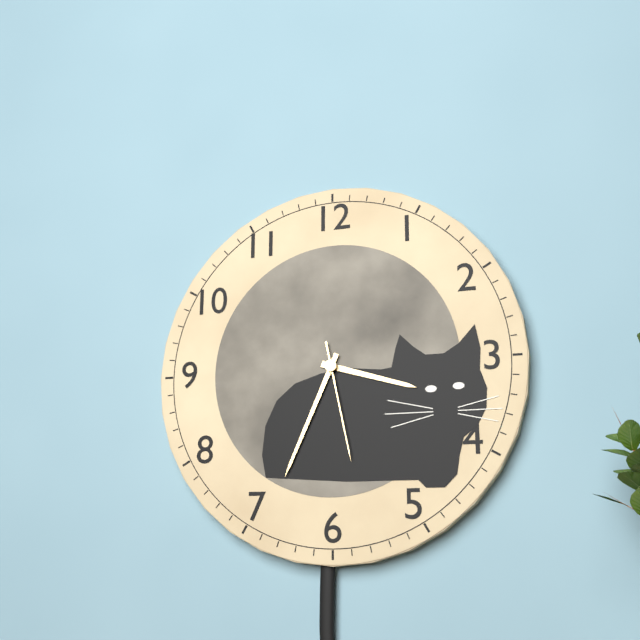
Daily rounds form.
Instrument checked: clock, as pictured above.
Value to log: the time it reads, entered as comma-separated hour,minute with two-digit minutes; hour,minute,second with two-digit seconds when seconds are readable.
3,34,28
